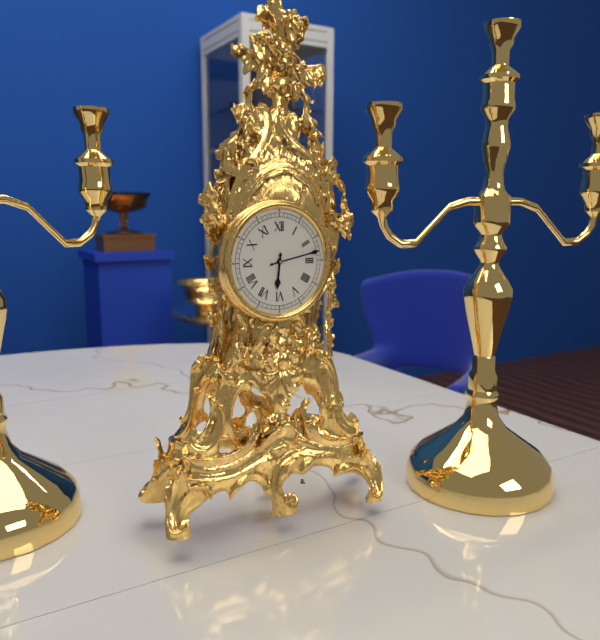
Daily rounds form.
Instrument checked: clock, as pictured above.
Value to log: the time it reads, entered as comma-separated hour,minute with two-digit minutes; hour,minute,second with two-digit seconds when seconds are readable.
6,13
